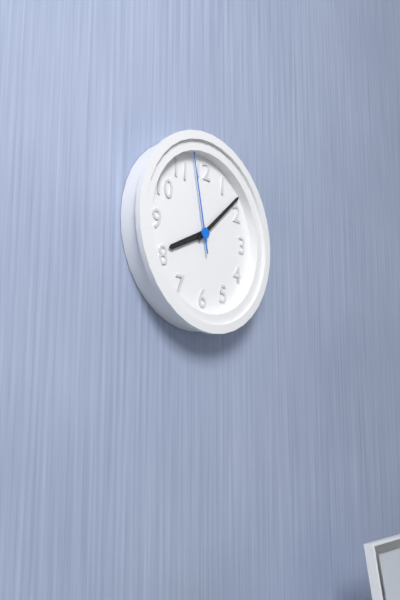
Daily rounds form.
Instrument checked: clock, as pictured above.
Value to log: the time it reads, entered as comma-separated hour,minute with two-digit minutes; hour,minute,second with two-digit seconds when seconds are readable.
8,08,58
